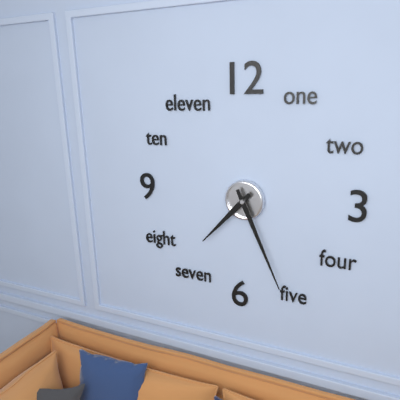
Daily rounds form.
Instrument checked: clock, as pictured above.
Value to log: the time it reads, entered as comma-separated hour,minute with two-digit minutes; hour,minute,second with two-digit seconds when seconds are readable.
7,26
